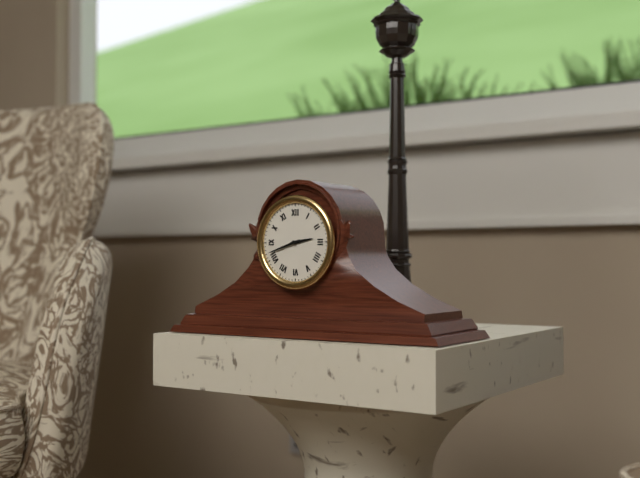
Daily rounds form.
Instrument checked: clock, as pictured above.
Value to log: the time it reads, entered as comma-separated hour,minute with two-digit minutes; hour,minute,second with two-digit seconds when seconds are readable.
2,42
